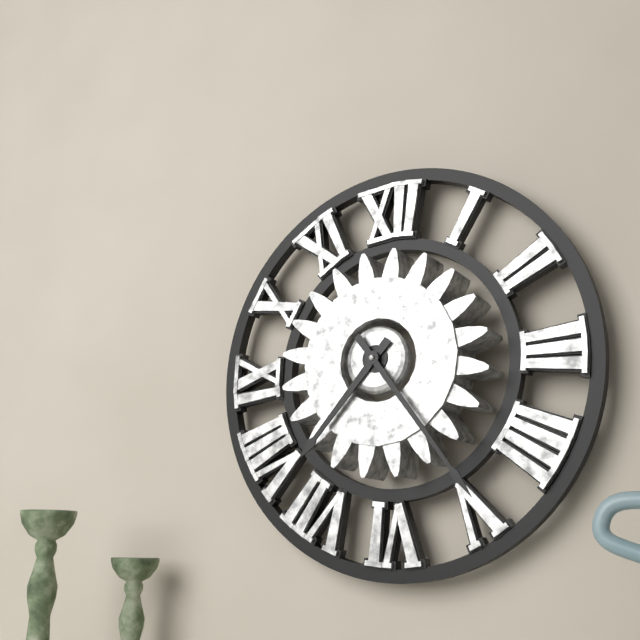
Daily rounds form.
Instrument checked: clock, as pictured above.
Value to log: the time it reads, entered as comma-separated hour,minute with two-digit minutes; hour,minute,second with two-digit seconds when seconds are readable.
7,24
